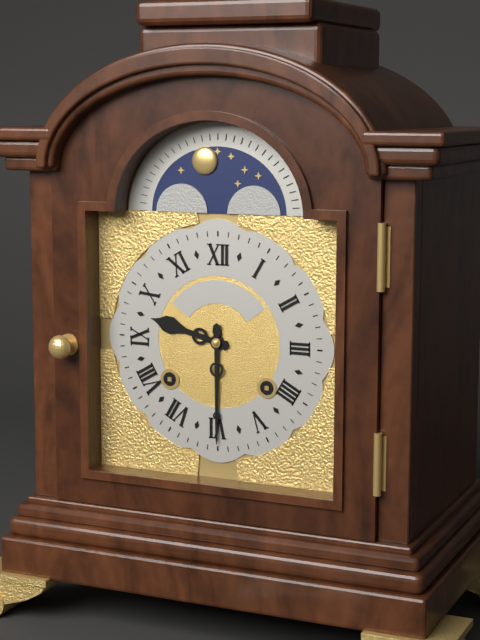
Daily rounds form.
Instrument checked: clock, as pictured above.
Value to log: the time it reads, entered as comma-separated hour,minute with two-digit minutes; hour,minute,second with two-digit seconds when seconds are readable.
9,30
